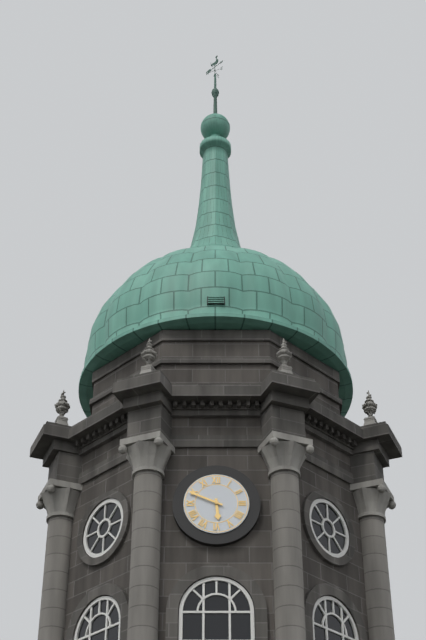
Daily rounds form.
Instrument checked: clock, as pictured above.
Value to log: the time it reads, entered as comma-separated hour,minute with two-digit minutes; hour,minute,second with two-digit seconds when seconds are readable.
5,49
